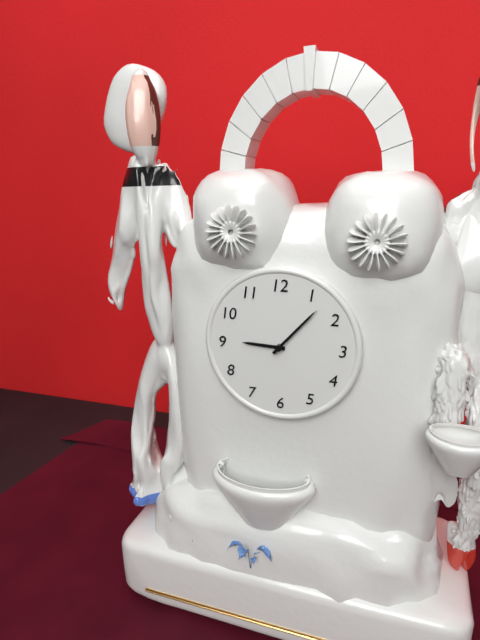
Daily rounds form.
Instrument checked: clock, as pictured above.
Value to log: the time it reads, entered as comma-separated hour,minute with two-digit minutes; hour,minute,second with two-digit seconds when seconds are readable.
9,07
